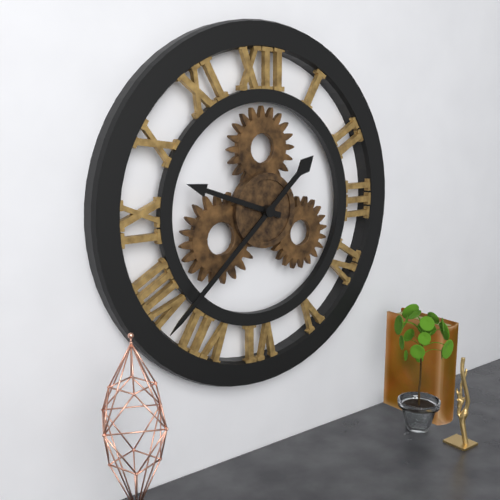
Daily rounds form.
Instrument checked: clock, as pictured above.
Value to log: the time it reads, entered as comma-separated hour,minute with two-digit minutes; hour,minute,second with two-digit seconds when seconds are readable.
9,38
